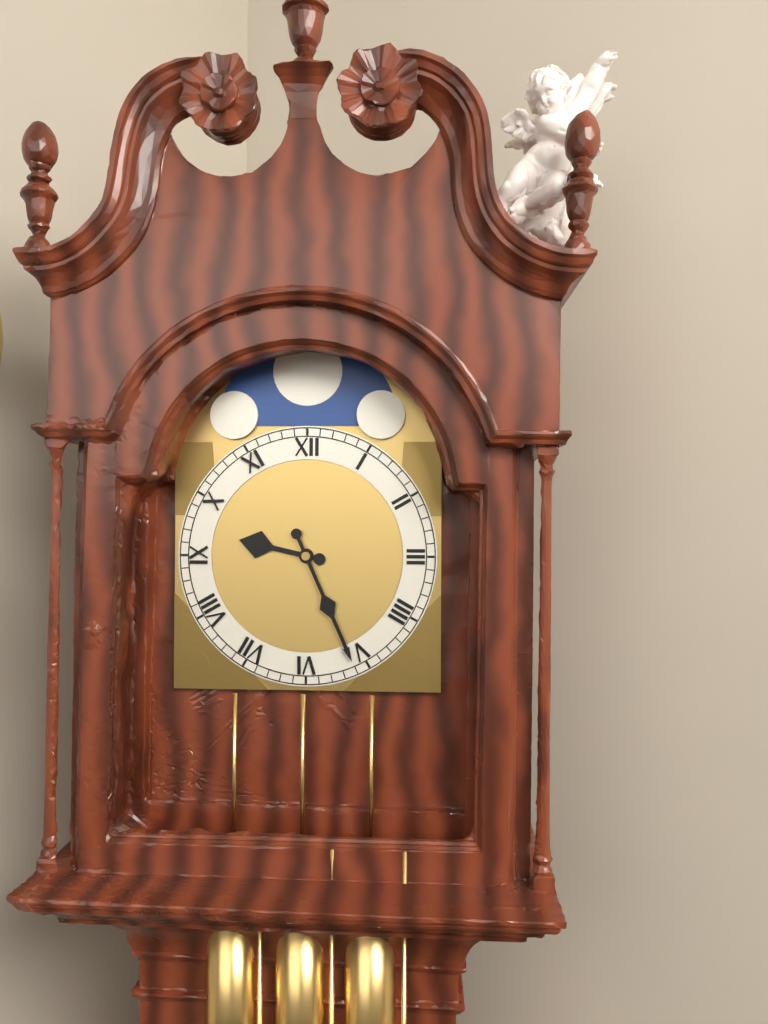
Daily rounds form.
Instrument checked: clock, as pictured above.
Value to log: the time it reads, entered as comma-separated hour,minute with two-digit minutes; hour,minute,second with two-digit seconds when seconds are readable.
9,26
